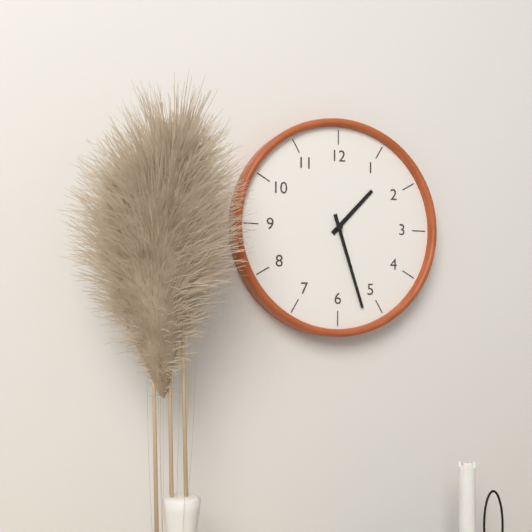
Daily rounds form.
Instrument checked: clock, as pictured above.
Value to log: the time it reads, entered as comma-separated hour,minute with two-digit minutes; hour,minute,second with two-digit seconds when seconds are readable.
1,27
